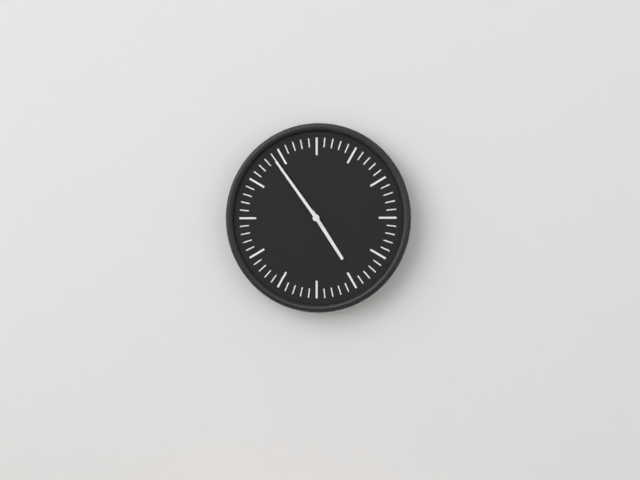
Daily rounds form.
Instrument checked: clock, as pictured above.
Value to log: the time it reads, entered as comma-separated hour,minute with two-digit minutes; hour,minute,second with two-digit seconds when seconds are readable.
4,54
